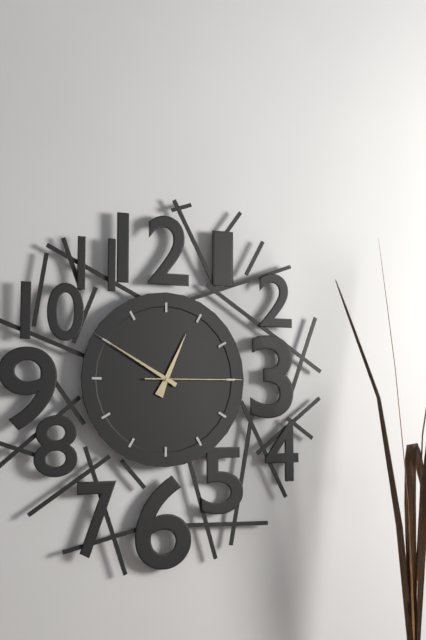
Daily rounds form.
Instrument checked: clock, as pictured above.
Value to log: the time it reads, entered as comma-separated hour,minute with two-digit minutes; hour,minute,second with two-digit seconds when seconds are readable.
12,50,15
